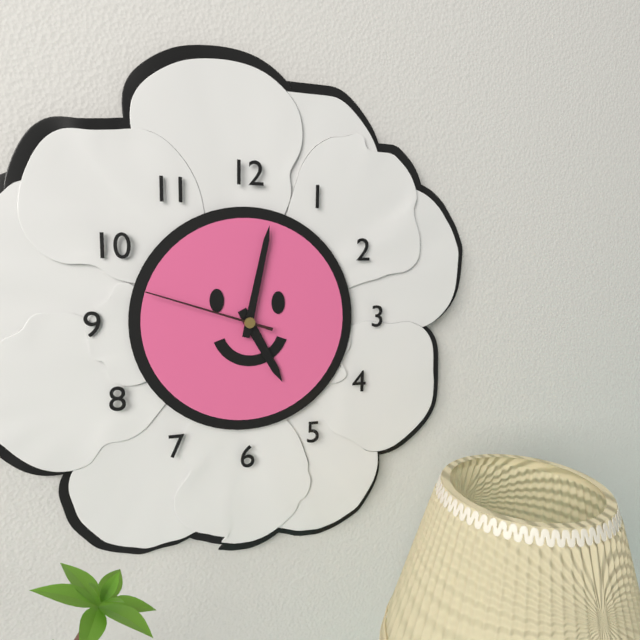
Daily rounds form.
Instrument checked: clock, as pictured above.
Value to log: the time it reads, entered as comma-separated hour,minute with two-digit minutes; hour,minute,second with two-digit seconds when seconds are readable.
5,02,48
